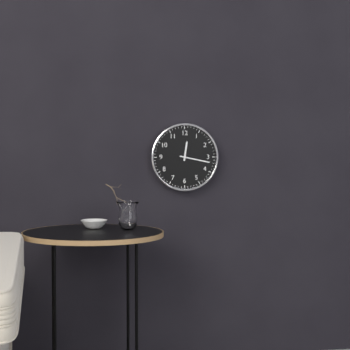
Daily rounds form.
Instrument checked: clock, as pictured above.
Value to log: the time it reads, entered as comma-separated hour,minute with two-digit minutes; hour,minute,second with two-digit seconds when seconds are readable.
12,17
